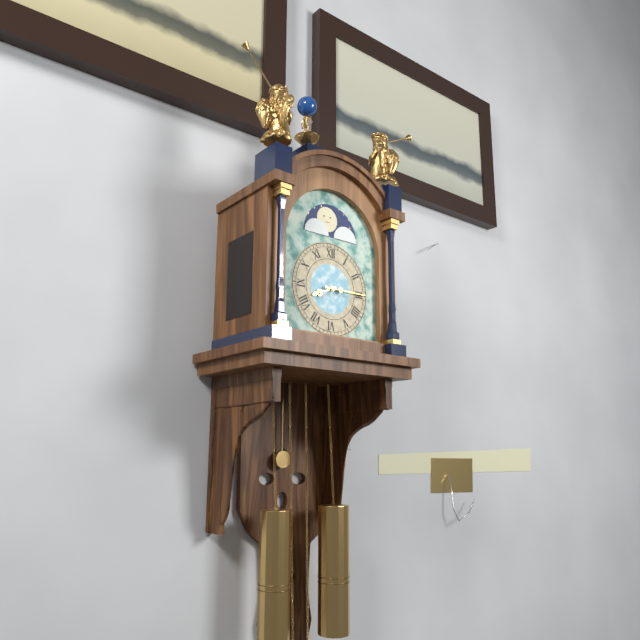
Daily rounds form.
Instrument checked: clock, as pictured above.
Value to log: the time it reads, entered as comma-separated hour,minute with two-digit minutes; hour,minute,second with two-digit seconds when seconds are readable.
8,15
